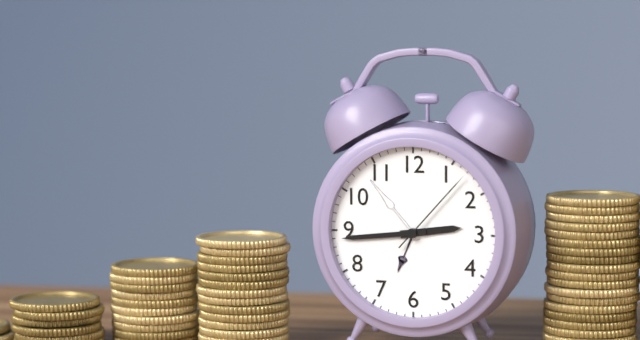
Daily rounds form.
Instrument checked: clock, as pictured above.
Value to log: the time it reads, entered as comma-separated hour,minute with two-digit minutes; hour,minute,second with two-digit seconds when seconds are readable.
2,44,07
